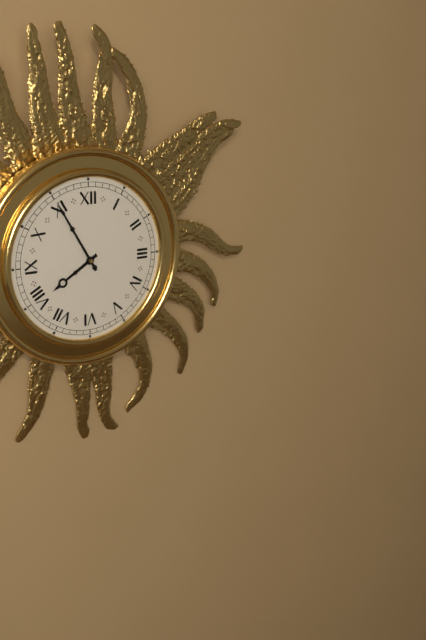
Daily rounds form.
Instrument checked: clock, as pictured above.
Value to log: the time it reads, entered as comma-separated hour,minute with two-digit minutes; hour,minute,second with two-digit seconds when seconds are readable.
7,55
